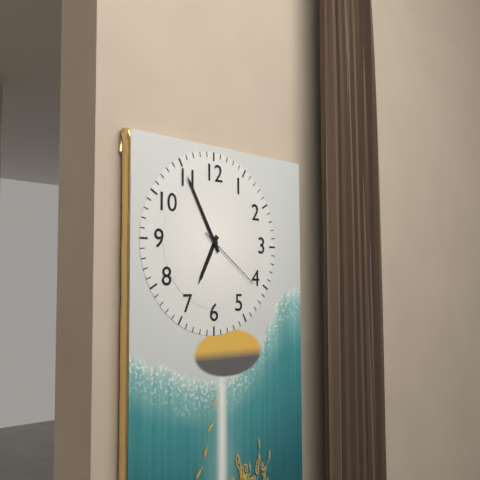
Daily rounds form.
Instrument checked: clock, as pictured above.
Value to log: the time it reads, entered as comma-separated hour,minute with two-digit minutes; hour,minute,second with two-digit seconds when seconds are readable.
6,55,21
